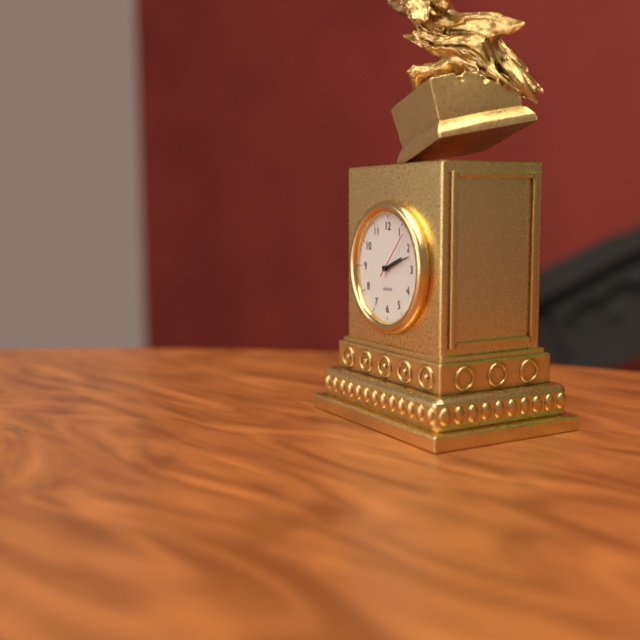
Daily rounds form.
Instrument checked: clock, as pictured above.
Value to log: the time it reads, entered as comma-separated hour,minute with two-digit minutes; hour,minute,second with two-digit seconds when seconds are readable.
2,12
